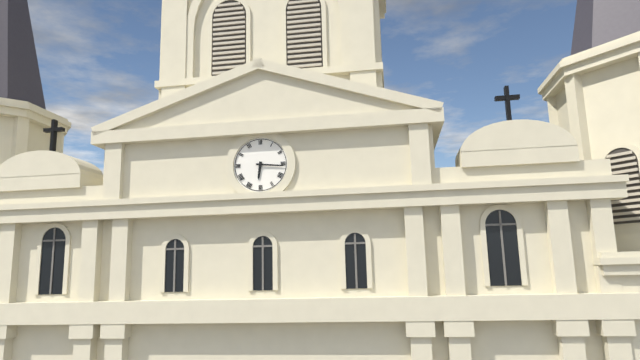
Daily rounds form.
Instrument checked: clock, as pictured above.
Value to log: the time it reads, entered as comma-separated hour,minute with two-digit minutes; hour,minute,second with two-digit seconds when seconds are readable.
6,16
